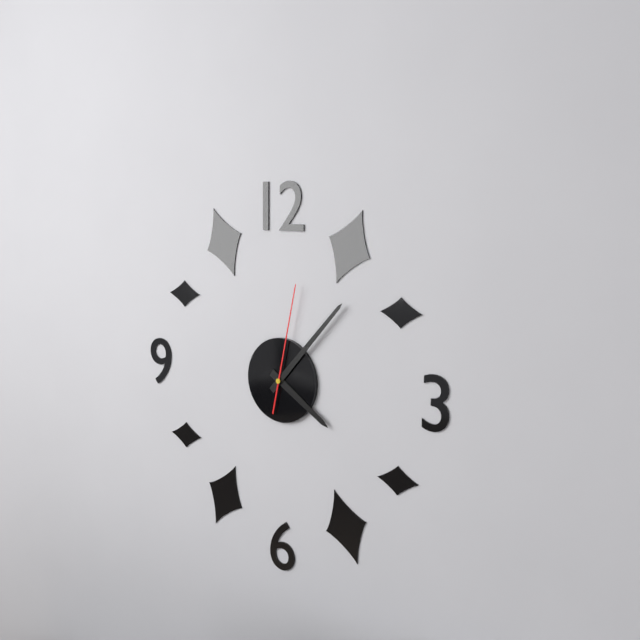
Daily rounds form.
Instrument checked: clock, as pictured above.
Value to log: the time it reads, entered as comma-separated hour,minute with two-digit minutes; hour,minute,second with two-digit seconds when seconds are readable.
4,07,02
